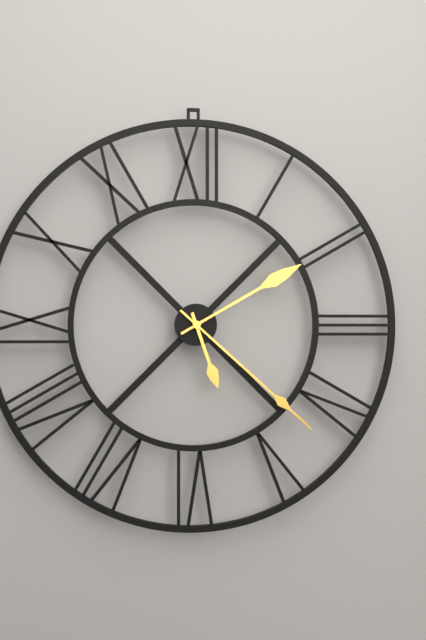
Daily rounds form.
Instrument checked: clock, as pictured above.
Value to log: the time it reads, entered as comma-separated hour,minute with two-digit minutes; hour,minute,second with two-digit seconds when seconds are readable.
5,22,10
